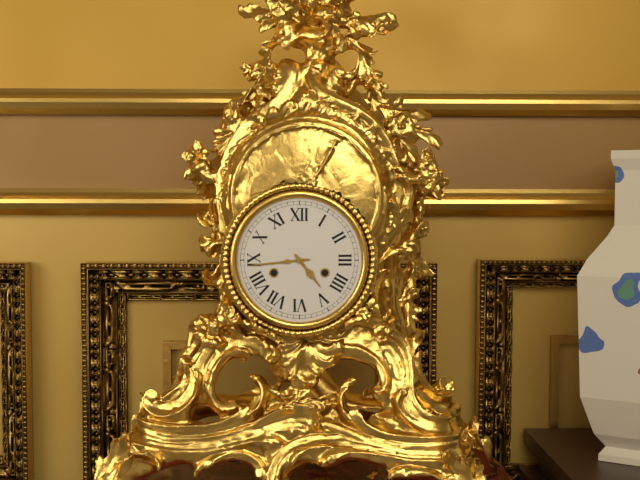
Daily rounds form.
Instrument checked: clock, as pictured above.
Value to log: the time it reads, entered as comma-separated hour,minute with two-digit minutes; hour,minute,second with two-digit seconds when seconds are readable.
4,44
